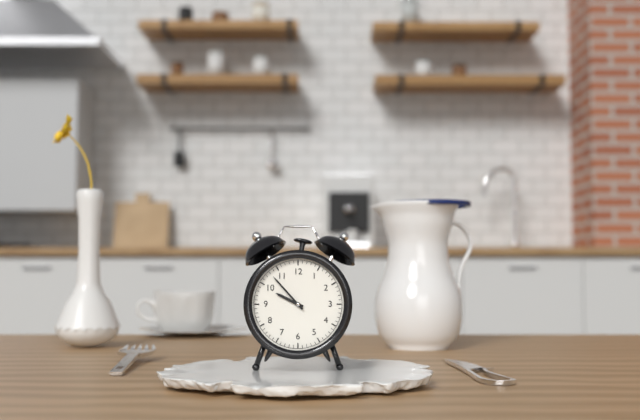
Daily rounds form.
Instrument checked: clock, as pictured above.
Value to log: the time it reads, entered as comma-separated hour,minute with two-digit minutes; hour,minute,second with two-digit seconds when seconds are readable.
9,53
